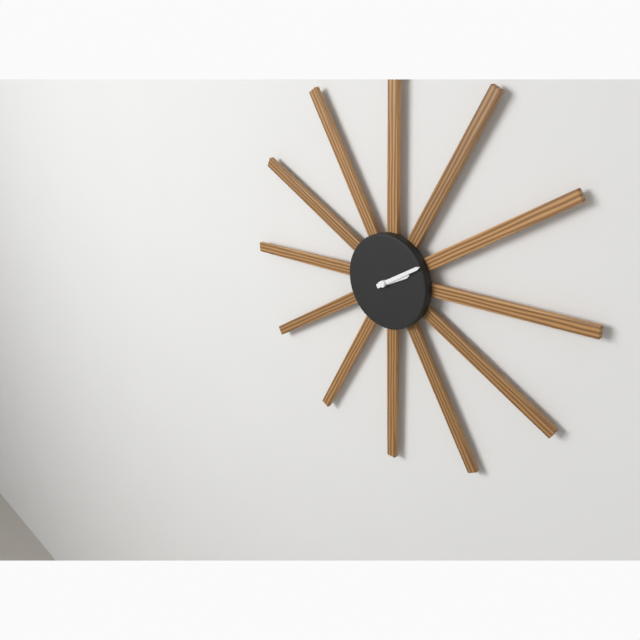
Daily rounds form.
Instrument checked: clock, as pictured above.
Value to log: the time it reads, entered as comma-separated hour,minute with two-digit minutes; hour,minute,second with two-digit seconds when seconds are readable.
2,10
